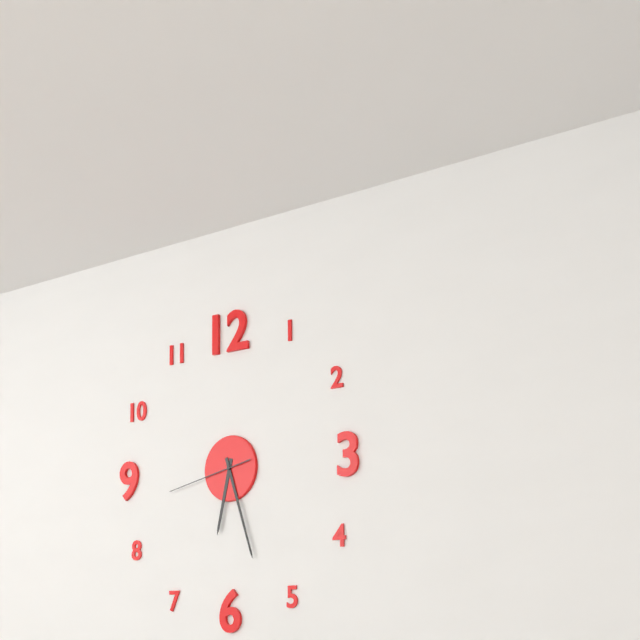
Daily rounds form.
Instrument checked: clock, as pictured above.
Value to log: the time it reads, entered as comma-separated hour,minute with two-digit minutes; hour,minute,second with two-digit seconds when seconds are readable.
6,27,43
